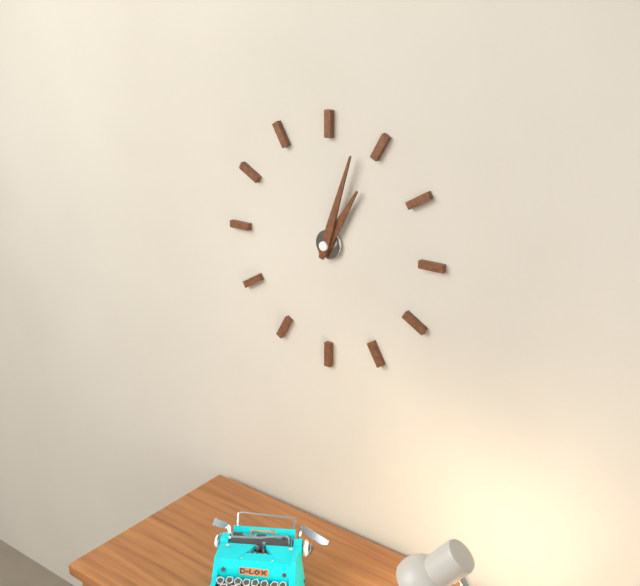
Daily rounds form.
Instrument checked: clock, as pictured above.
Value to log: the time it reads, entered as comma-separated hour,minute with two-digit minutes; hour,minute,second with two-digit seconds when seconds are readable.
1,03
